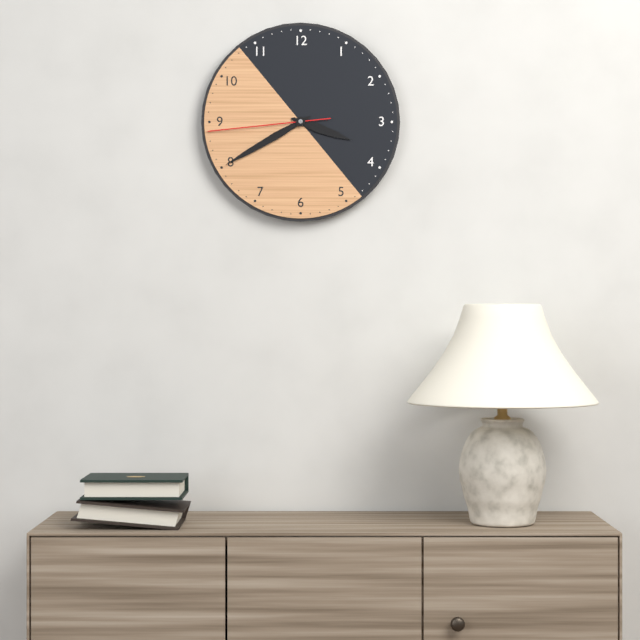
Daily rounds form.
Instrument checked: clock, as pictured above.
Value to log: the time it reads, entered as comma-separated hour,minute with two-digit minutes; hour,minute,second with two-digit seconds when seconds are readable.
3,40,44
